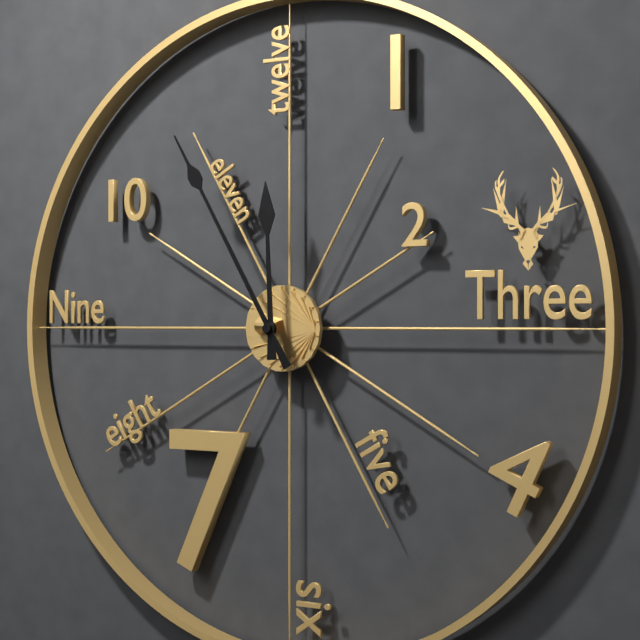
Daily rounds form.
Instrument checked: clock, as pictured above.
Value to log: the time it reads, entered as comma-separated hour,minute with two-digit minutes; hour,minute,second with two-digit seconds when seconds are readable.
11,55
